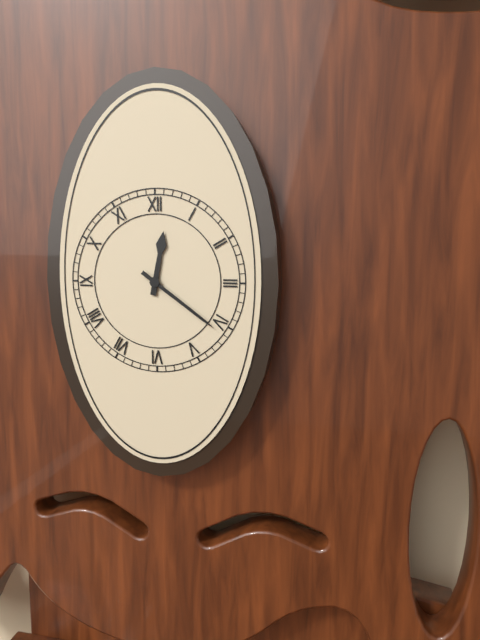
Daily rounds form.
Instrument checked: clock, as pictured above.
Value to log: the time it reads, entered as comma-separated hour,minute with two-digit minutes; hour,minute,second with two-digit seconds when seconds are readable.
12,21
